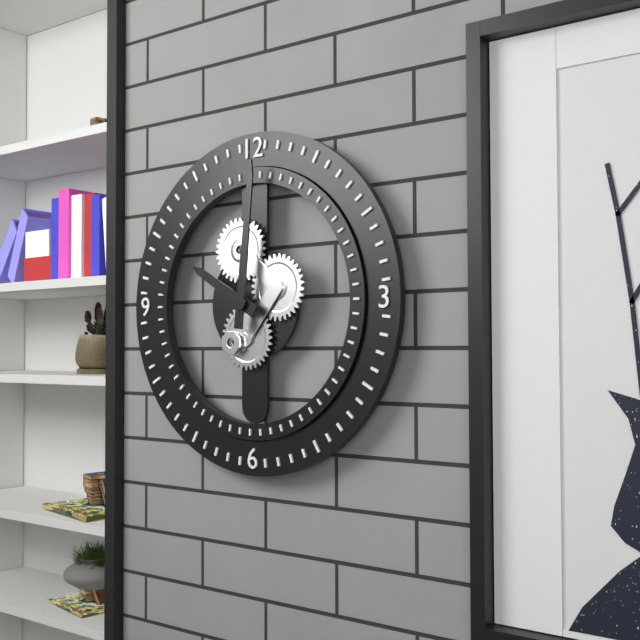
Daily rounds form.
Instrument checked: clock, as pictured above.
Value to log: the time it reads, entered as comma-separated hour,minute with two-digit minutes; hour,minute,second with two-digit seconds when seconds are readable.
10,01
